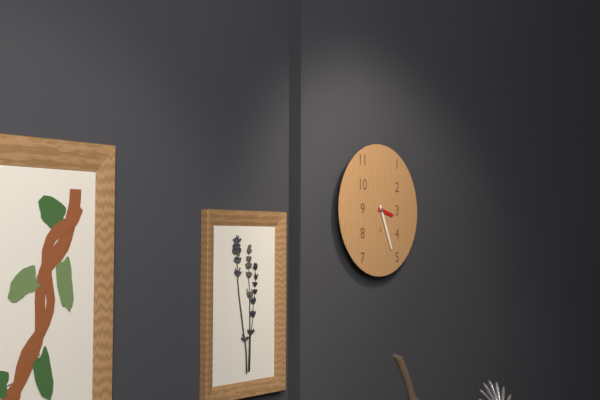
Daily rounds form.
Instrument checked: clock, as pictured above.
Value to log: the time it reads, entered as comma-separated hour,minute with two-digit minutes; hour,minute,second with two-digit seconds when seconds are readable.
3,26
